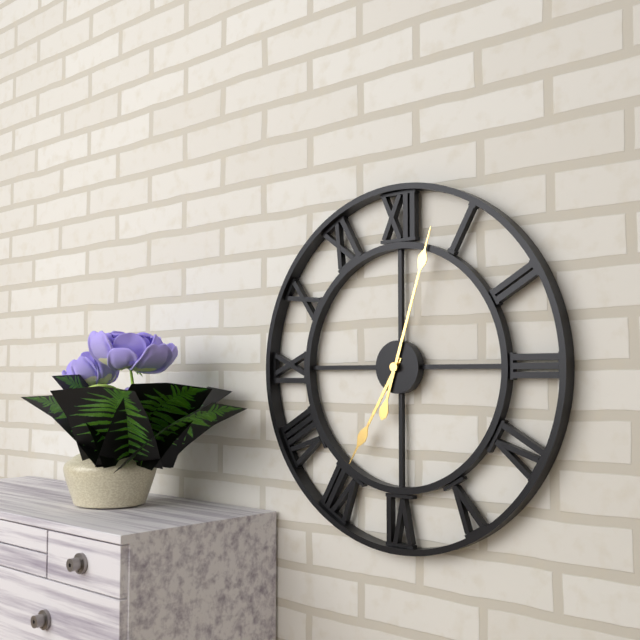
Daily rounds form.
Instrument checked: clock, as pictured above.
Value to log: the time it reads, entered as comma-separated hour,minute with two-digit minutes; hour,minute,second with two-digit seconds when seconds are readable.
7,03
